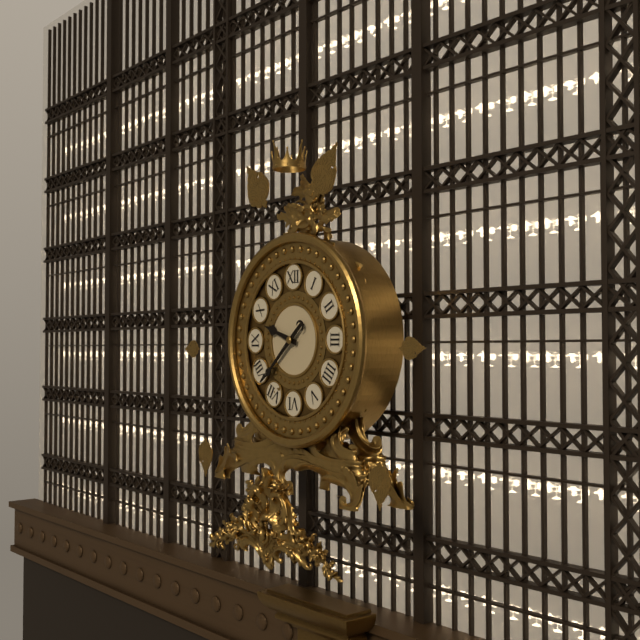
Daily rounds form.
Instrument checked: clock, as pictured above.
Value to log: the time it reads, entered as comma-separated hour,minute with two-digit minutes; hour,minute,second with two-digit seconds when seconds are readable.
9,38
